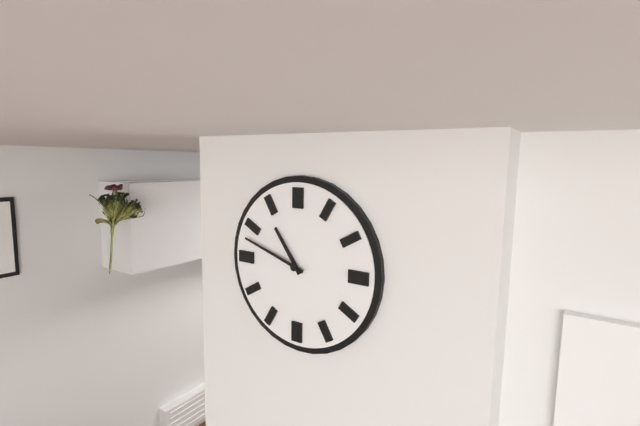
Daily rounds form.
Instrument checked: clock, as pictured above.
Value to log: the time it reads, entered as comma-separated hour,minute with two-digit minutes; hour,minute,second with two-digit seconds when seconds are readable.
10,48
